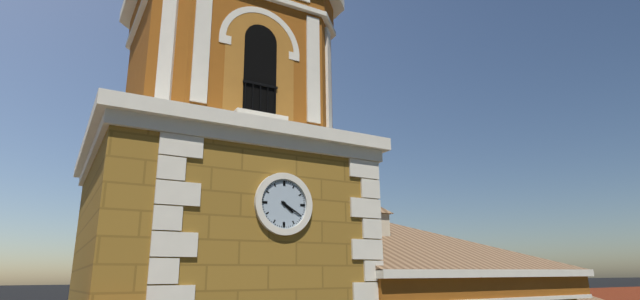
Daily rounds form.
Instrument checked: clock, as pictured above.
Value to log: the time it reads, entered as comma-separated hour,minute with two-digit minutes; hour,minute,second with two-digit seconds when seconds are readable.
4,20
